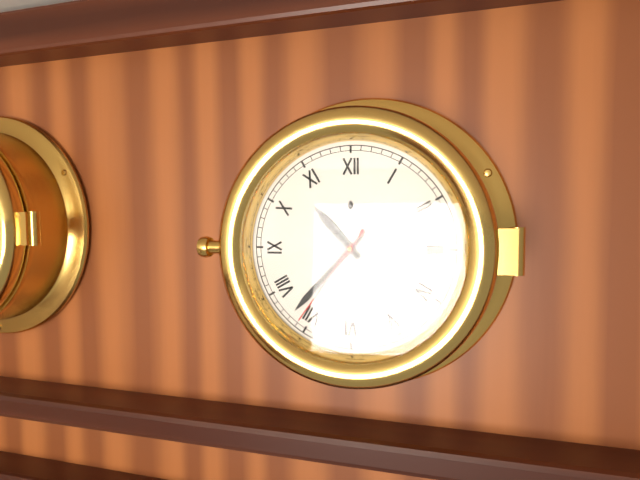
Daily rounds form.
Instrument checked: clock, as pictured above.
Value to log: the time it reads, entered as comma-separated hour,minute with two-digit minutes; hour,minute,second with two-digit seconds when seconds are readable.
10,37,36
